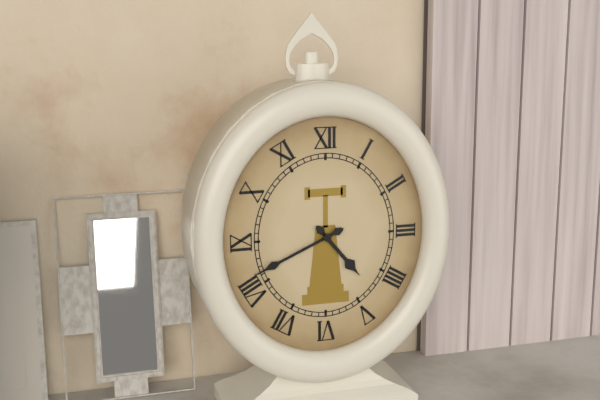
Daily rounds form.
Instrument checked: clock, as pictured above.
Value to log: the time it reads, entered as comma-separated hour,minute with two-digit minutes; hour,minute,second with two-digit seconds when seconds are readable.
4,41
